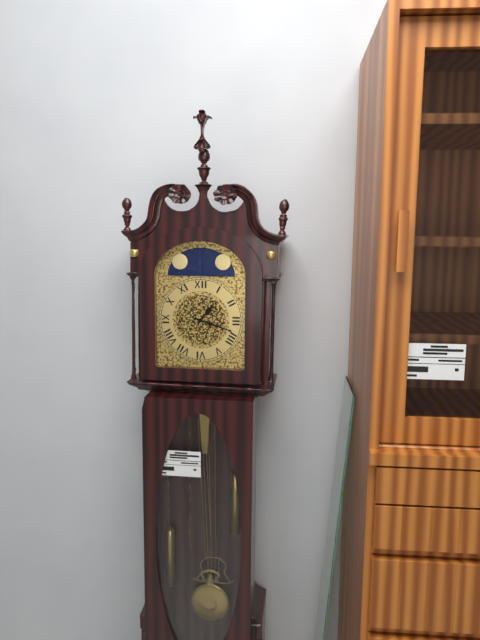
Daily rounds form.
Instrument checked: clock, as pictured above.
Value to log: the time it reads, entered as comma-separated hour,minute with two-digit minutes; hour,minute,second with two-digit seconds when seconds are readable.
1,18
